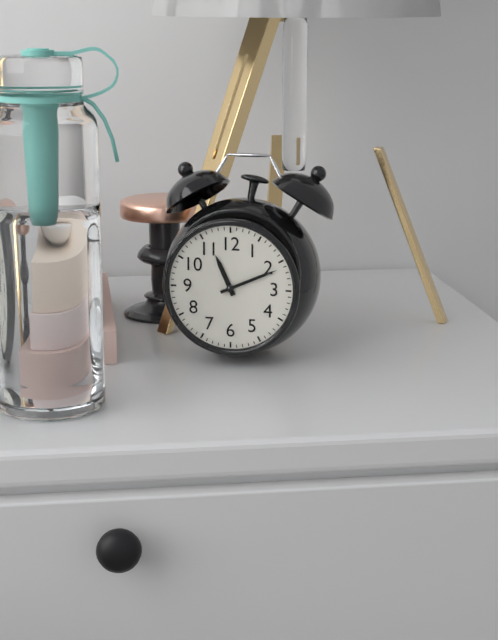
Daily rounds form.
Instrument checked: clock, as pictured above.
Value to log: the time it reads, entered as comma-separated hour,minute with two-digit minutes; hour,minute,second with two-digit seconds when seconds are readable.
11,11
